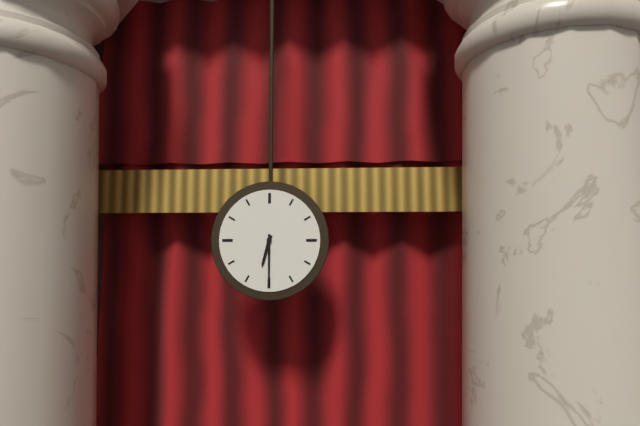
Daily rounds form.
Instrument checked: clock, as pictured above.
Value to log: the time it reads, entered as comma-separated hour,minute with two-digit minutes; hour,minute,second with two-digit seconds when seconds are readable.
6,30
